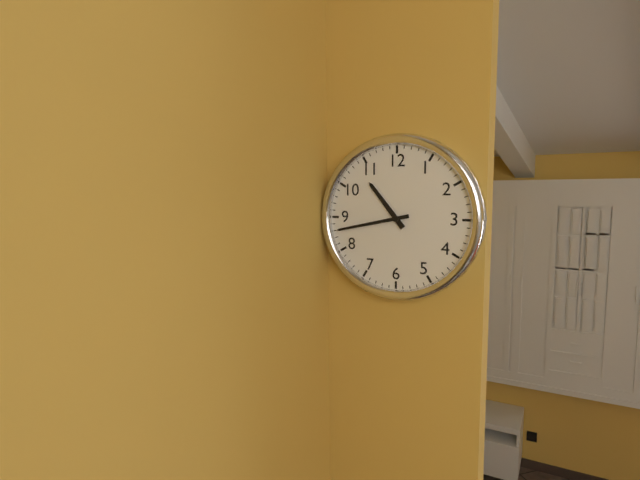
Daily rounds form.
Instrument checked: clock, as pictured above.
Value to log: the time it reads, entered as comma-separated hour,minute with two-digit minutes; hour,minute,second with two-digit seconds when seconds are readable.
10,43
